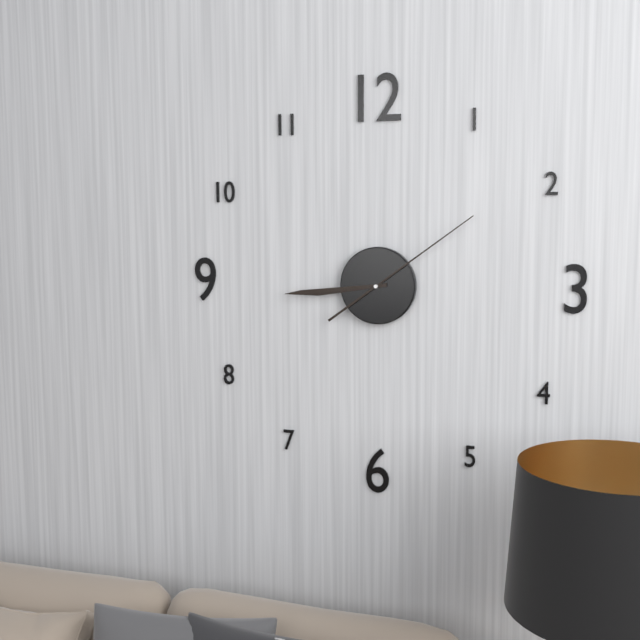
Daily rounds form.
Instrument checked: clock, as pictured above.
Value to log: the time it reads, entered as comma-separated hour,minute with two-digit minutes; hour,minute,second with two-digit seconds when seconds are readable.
8,44,09
